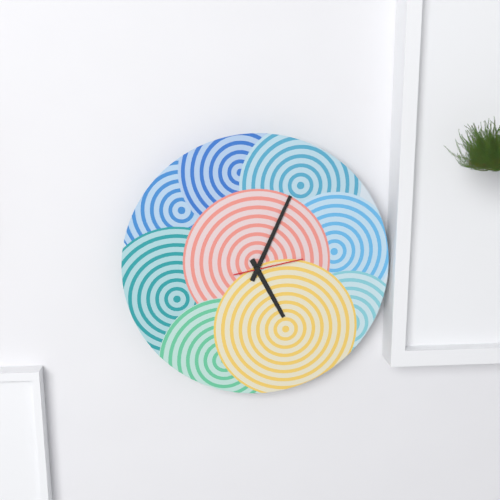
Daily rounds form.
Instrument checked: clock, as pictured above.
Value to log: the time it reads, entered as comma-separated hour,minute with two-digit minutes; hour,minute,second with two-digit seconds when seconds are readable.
5,04,13
